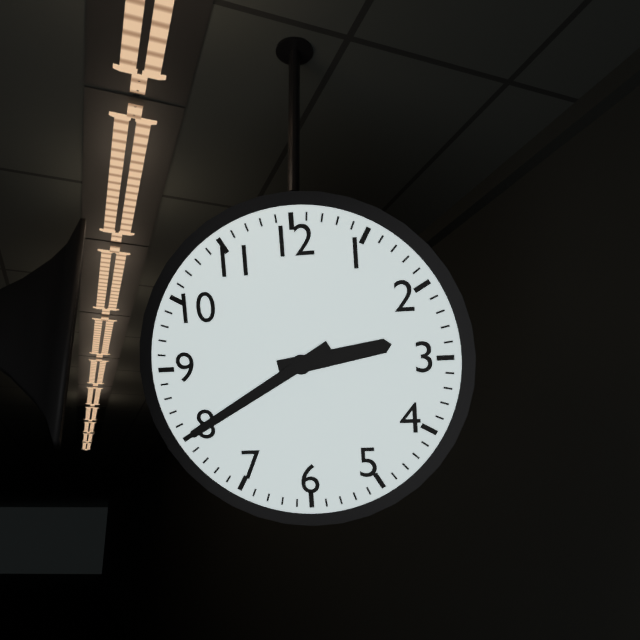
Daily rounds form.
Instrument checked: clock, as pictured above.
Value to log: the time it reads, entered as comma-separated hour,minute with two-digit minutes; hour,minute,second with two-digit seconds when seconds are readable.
2,40
